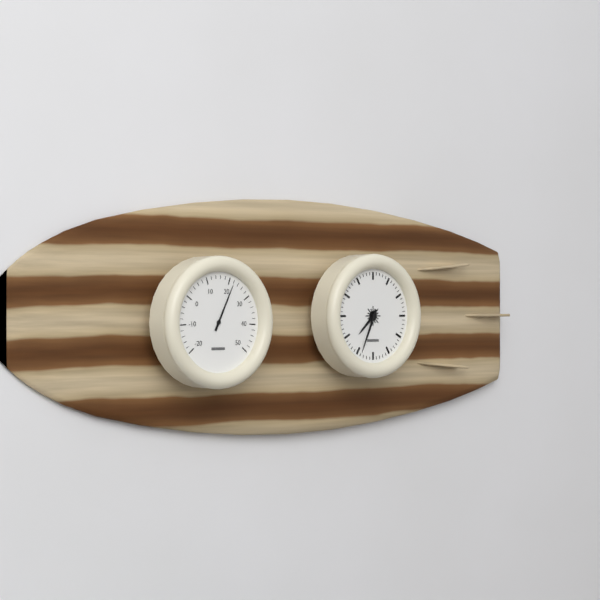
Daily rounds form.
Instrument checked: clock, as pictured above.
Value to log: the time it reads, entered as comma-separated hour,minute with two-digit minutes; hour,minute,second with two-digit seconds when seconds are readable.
7,34
